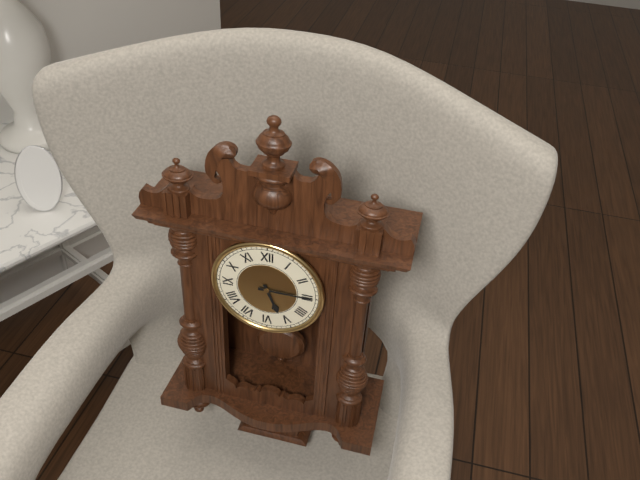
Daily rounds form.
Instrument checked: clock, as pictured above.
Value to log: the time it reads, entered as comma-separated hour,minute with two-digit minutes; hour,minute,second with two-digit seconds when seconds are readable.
5,15
